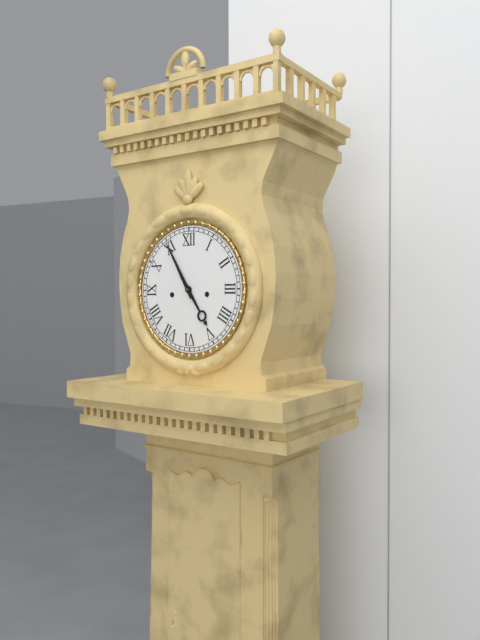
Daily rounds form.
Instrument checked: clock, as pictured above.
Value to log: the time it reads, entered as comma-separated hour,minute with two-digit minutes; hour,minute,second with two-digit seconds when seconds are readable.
4,55
